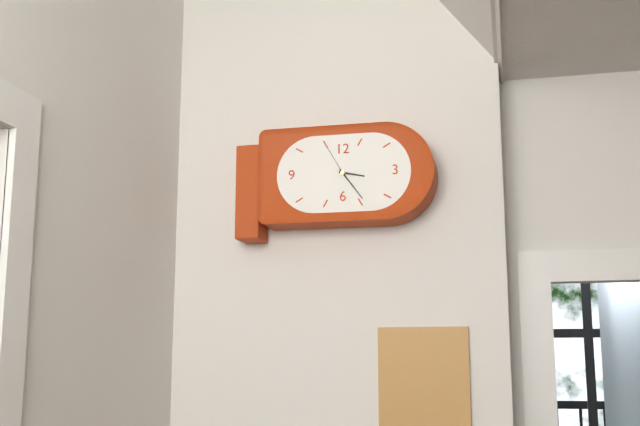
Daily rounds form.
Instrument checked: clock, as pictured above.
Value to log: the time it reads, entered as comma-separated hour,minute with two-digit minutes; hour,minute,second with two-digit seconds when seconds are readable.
3,24
